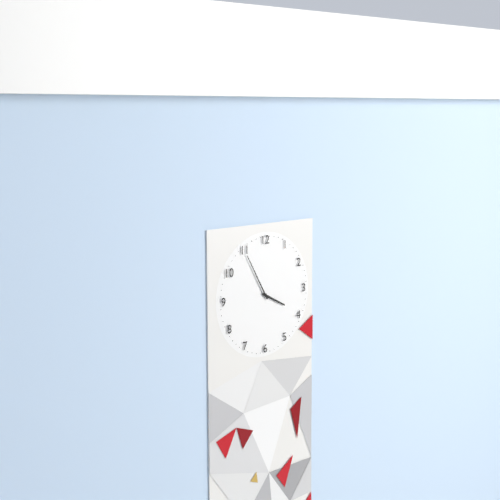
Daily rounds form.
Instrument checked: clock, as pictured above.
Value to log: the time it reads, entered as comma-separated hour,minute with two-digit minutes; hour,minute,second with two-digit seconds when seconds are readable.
3,55
